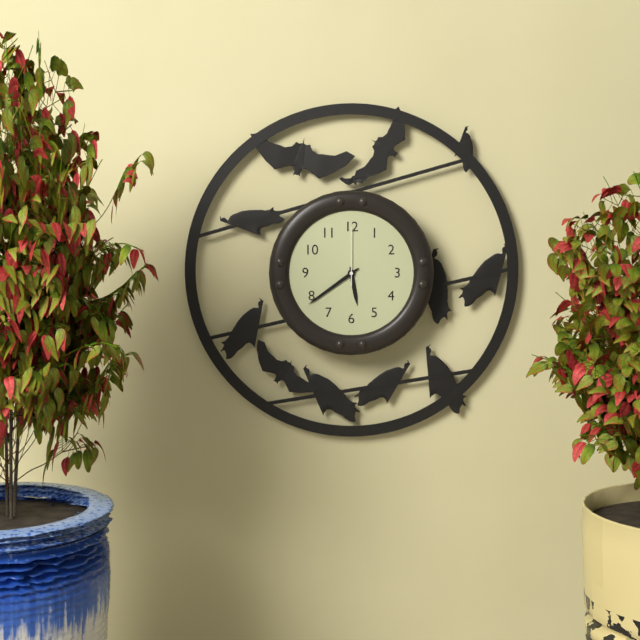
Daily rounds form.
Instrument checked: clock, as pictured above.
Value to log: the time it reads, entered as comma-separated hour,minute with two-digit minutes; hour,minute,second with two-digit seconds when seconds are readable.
5,39,00
